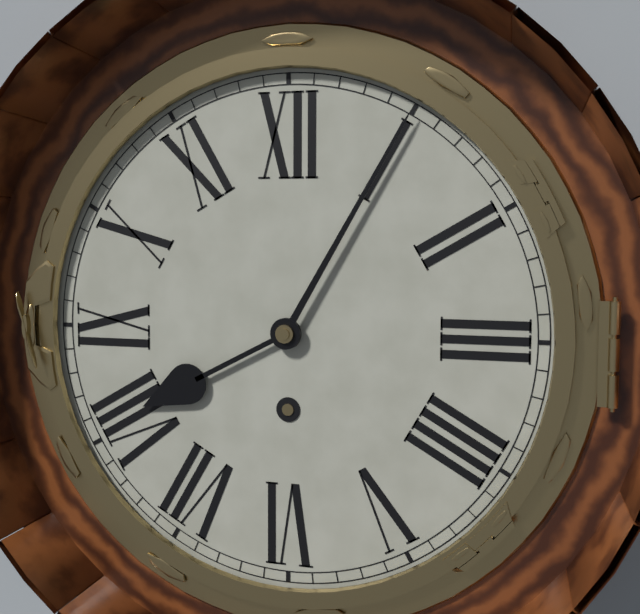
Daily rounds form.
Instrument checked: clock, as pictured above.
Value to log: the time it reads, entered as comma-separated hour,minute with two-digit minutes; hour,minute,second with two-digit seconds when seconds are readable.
8,05
